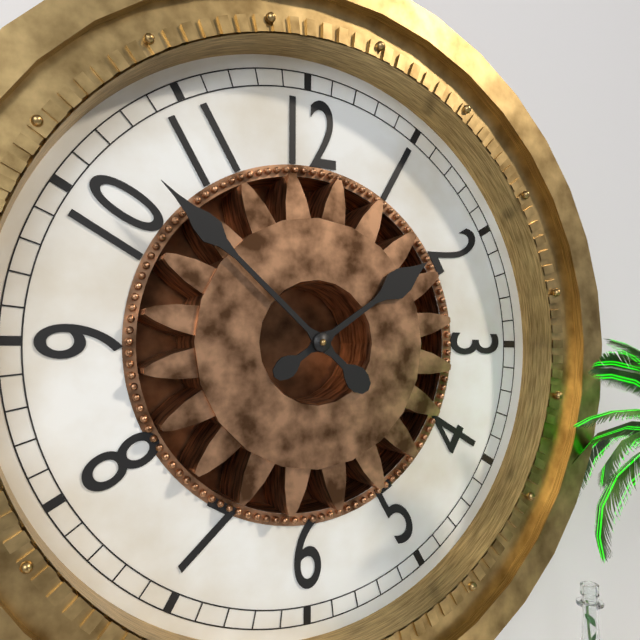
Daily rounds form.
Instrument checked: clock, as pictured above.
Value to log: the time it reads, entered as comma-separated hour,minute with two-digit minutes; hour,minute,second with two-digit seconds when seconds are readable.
1,52
